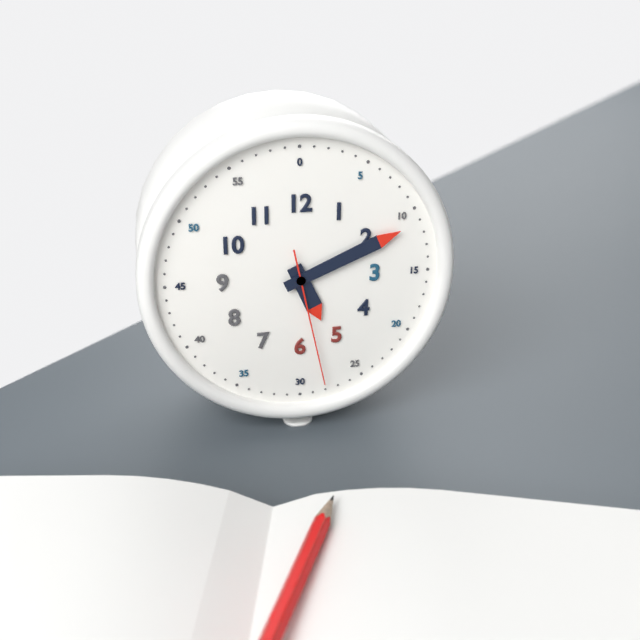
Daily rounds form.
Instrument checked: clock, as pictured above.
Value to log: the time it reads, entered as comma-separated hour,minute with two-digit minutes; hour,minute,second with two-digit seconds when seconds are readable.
5,11,28
